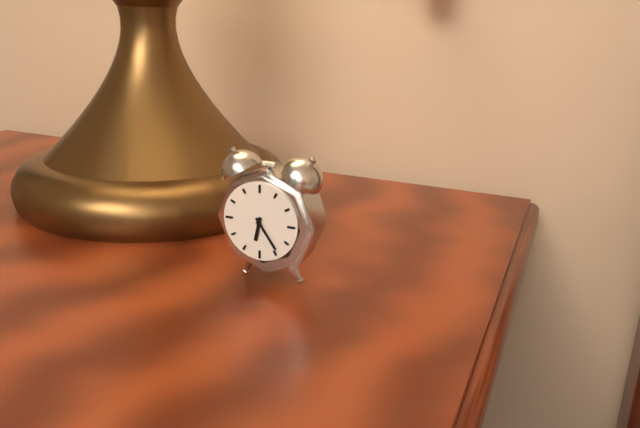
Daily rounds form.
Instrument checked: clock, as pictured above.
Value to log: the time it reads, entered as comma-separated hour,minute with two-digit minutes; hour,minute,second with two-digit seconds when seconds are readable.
6,24
